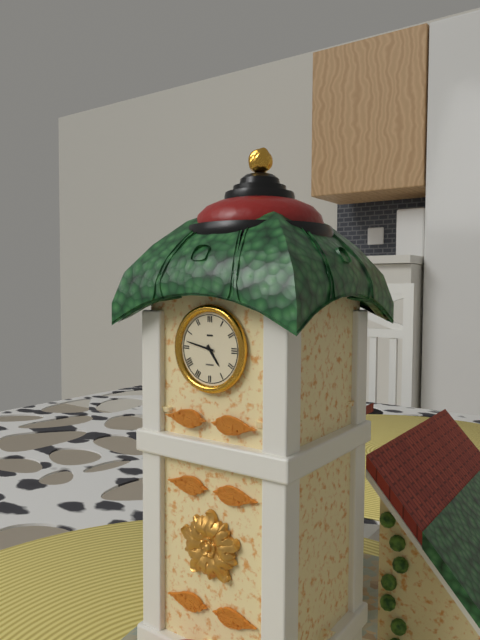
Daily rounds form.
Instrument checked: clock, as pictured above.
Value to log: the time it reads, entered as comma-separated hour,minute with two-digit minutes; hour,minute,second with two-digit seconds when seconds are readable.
4,47
